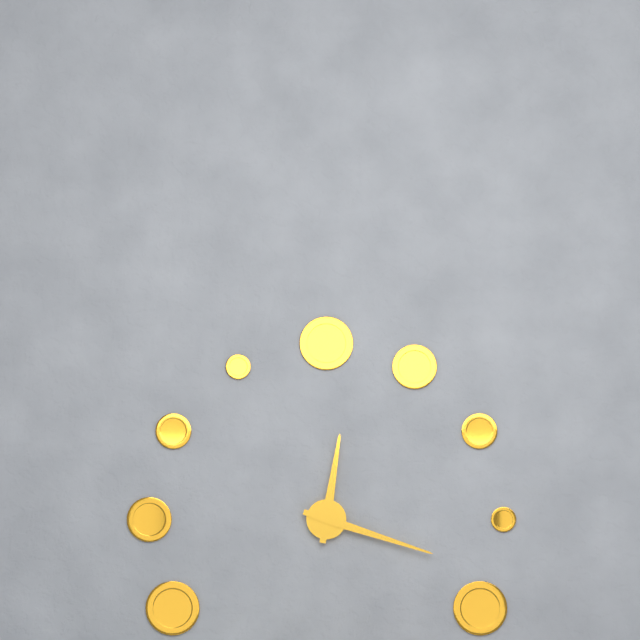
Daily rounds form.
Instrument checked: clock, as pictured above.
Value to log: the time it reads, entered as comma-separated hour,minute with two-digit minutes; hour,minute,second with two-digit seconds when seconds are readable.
12,18
